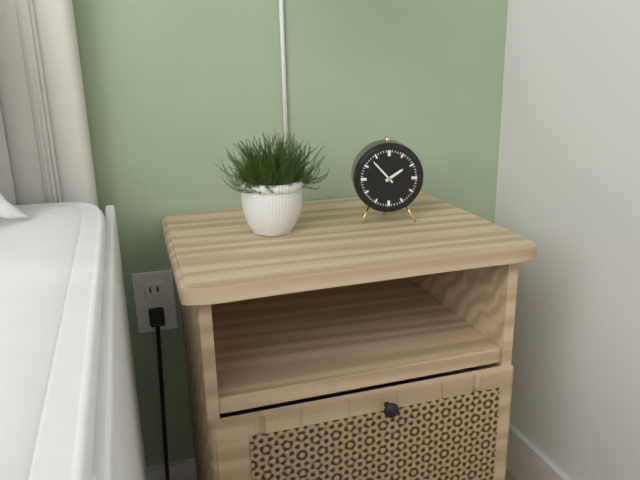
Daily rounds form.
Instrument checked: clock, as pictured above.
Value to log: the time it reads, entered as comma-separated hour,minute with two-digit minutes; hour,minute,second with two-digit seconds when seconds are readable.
1,53
